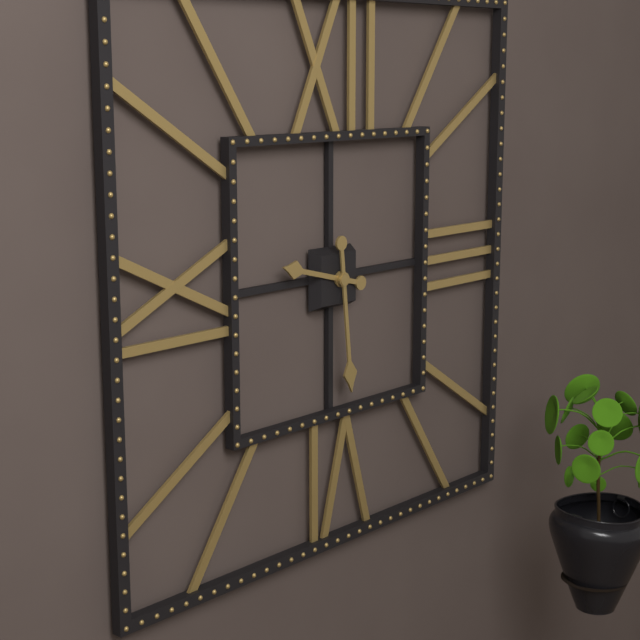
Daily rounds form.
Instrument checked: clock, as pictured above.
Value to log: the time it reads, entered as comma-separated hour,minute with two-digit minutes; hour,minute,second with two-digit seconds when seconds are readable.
9,29
